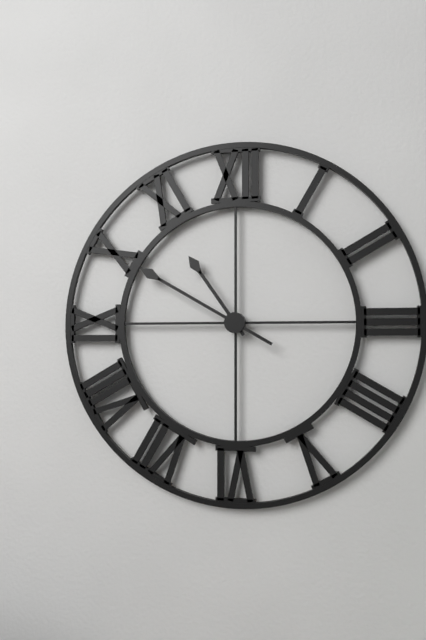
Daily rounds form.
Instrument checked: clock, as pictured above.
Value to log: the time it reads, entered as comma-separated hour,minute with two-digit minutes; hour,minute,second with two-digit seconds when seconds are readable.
10,50
